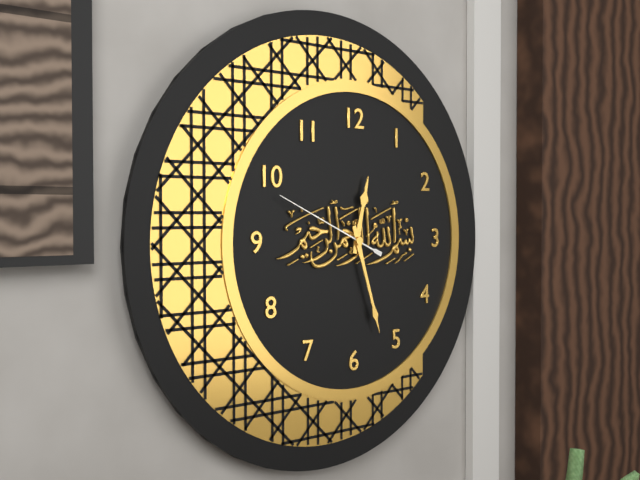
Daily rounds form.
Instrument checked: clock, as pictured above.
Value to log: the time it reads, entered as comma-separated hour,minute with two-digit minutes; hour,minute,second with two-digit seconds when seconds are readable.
12,27,49
